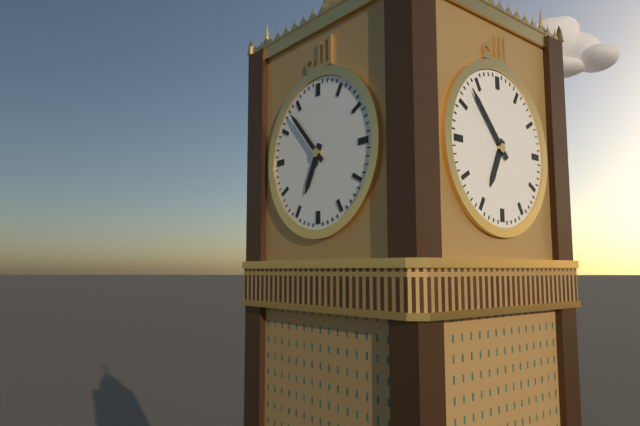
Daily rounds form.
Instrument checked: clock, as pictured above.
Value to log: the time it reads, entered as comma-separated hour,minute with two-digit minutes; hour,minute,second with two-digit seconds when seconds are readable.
6,53
